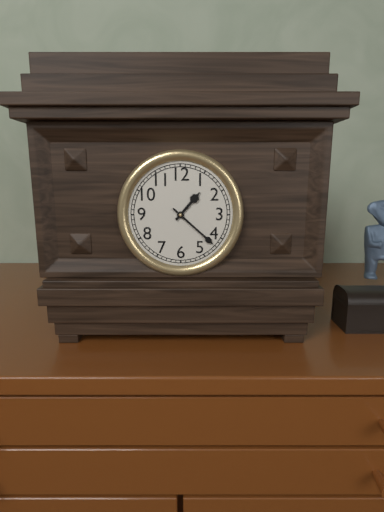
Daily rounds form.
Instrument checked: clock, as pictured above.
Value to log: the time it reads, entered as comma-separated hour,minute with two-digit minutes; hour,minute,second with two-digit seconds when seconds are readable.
1,22
